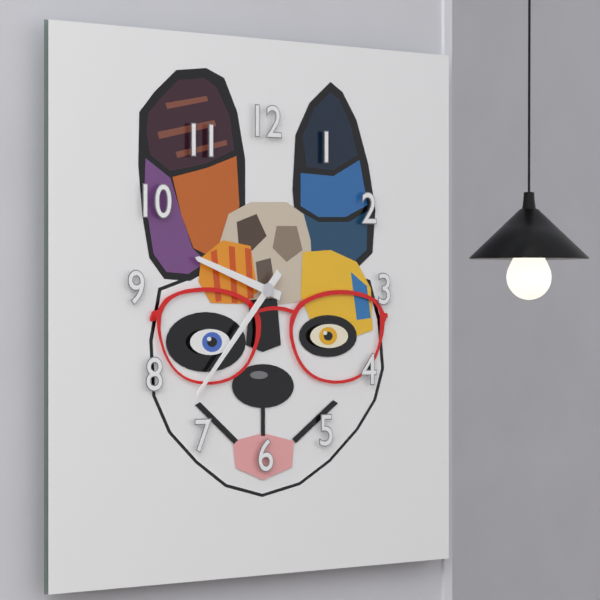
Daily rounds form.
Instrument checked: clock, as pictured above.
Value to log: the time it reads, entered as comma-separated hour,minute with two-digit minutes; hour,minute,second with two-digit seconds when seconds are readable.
9,37
